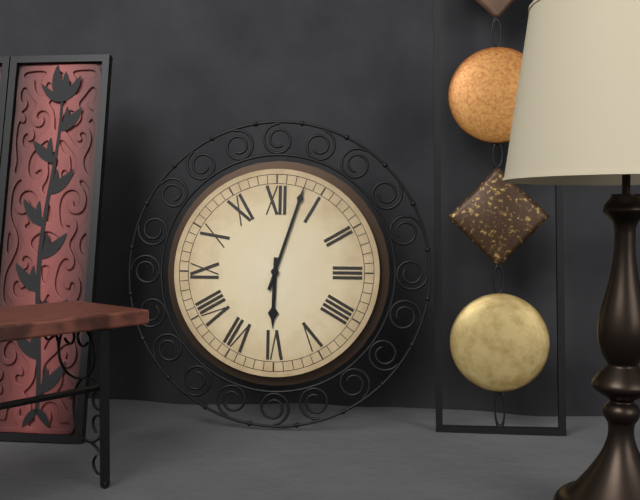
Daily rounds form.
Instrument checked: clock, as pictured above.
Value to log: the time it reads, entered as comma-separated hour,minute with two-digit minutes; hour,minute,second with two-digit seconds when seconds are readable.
6,03
